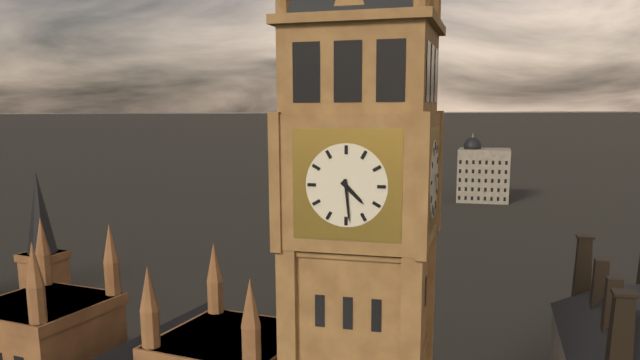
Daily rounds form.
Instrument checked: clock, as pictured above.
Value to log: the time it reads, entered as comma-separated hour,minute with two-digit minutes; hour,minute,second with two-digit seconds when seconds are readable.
4,29
